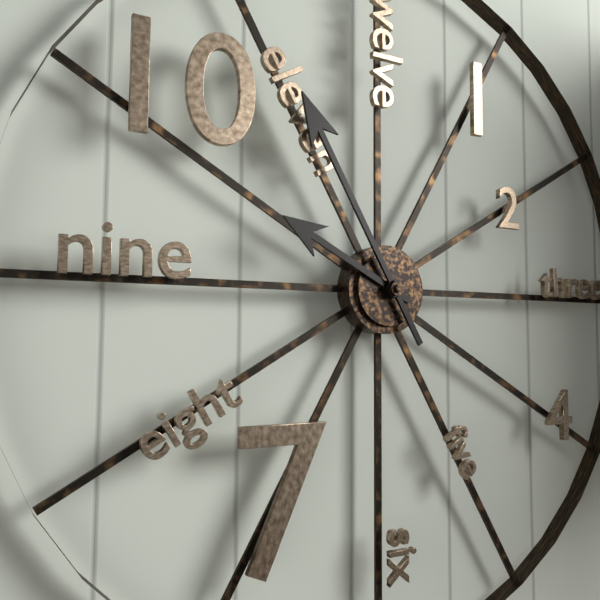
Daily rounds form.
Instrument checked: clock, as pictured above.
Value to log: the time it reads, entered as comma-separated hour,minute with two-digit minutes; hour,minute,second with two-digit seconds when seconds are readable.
9,55
